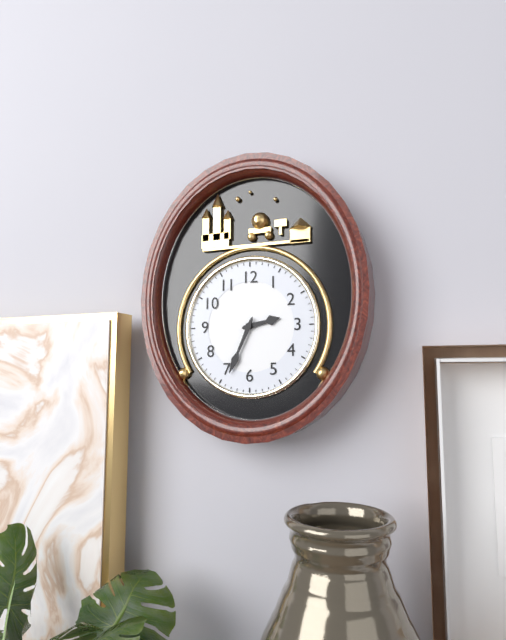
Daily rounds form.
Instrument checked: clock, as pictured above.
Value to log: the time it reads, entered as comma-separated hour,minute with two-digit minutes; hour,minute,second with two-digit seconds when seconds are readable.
2,34
